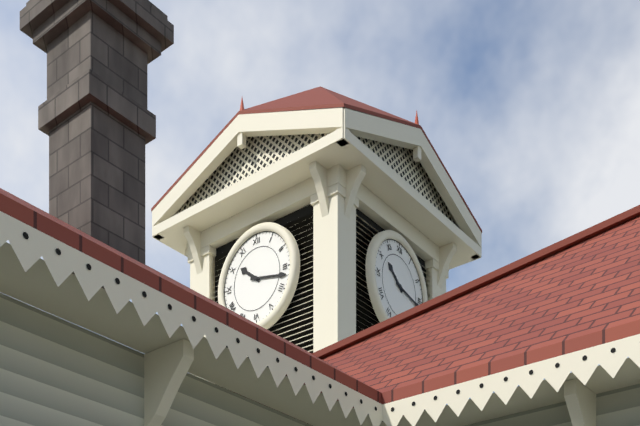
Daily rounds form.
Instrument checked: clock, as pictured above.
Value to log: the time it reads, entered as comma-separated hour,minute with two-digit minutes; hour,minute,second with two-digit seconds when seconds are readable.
10,17
